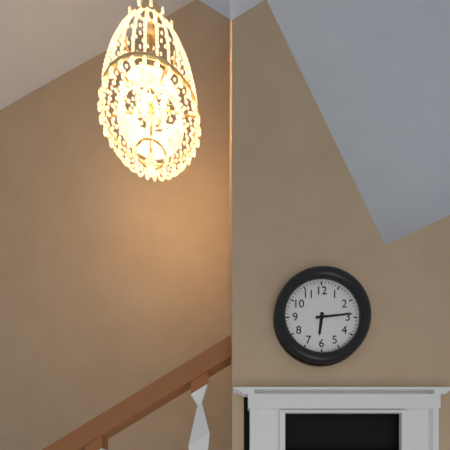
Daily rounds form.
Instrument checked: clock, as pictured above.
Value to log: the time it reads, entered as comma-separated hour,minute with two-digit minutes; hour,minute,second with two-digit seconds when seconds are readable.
6,14
